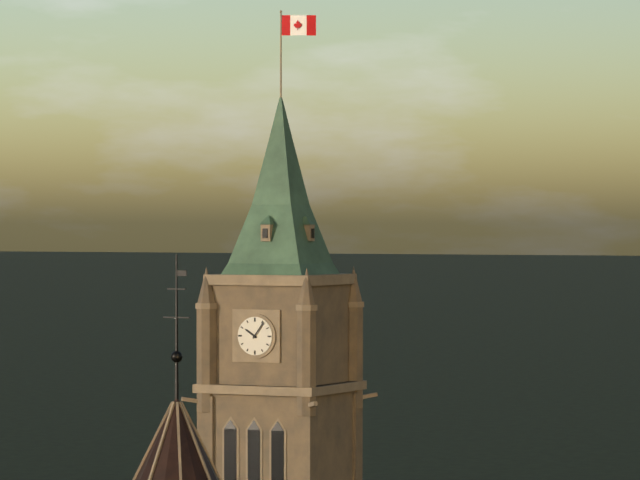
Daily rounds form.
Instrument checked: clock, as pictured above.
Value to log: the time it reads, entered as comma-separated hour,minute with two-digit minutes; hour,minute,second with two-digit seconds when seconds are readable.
10,06
